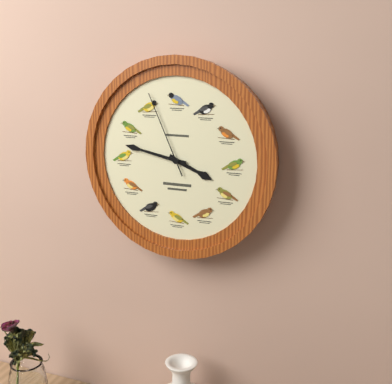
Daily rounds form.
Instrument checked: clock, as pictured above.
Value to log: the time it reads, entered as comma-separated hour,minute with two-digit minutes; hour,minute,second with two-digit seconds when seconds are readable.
3,47,56
